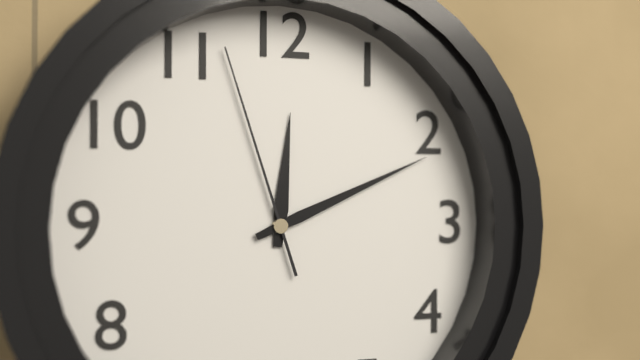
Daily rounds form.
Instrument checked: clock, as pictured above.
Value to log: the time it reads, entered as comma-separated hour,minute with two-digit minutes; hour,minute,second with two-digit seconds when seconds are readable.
12,11,57
